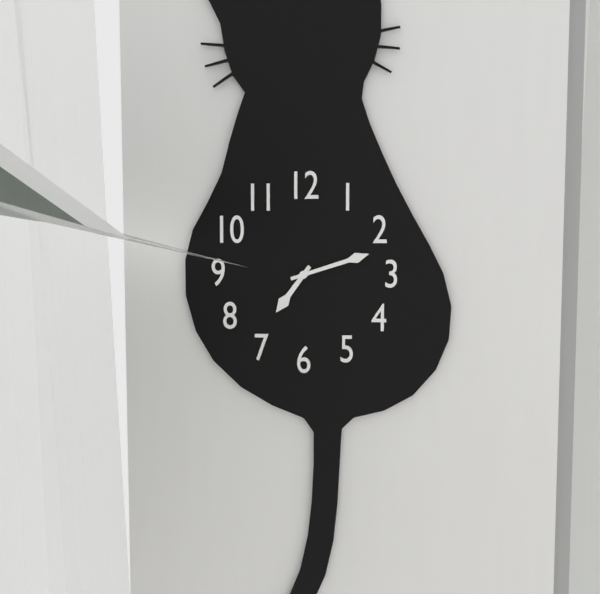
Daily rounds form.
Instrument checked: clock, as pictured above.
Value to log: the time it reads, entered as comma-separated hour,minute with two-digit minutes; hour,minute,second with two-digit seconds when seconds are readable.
7,12
